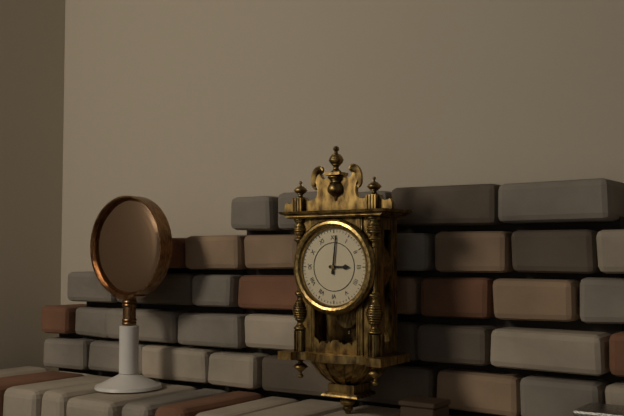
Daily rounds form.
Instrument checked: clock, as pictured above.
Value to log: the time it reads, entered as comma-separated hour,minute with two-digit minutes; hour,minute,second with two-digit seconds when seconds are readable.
3,01
